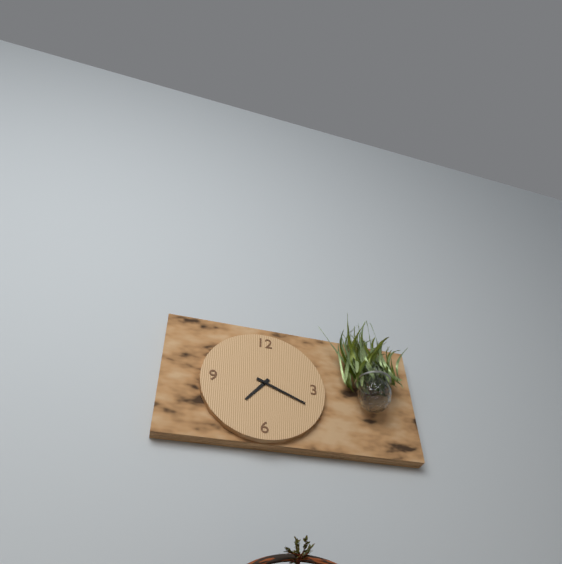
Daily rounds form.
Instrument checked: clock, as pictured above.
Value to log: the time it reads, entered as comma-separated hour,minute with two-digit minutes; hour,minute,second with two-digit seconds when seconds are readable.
7,19
